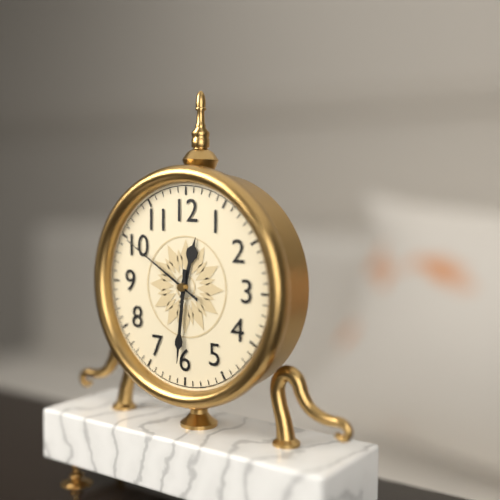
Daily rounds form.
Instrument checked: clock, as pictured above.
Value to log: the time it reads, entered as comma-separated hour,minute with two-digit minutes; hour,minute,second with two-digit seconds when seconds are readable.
12,31,50
